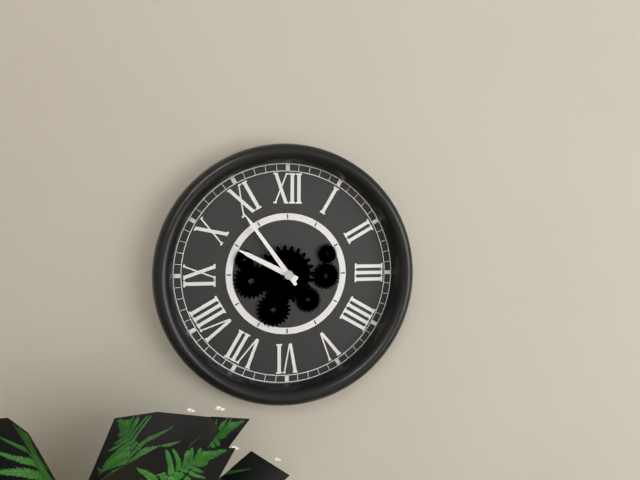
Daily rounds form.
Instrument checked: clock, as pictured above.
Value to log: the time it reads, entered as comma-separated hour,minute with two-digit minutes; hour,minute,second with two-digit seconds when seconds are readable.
9,54
